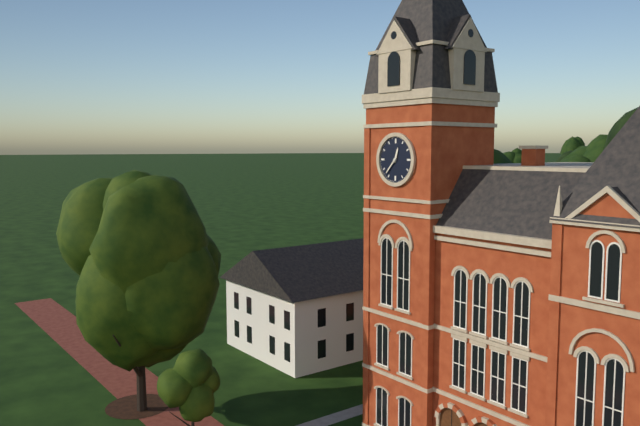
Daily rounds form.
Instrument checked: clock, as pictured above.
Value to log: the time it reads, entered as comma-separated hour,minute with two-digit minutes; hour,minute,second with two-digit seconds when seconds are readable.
12,37
